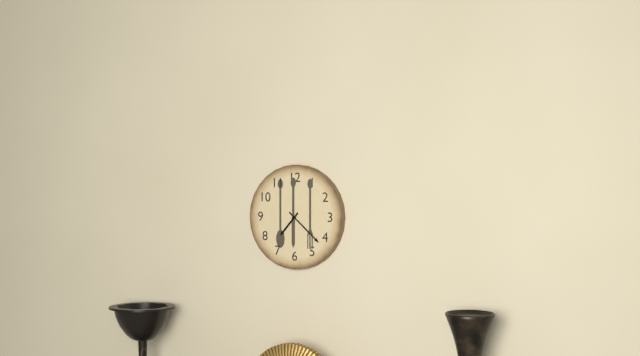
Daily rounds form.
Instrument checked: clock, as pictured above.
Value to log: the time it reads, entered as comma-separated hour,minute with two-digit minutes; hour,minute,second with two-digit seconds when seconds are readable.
7,22
